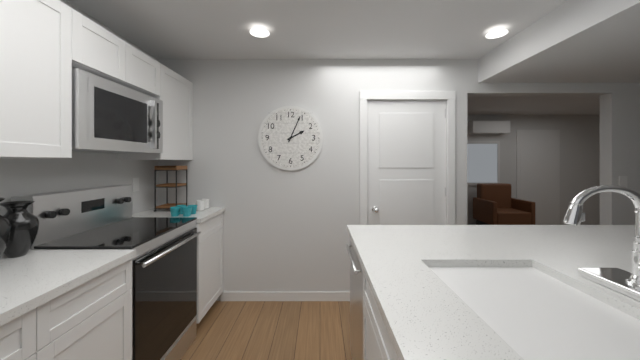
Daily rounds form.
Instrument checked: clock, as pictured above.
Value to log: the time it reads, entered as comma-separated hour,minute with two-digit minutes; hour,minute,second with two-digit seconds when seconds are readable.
2,04
